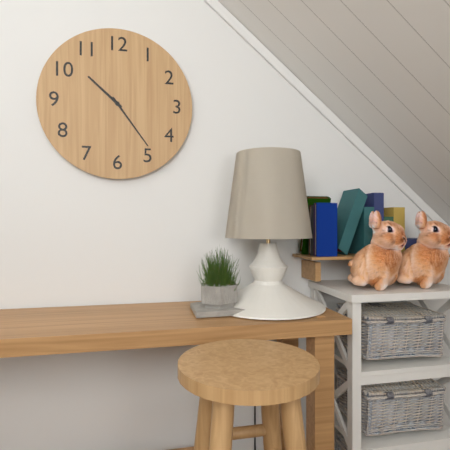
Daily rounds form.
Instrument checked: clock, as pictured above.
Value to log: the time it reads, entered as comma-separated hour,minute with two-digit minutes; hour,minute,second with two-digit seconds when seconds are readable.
10,24
